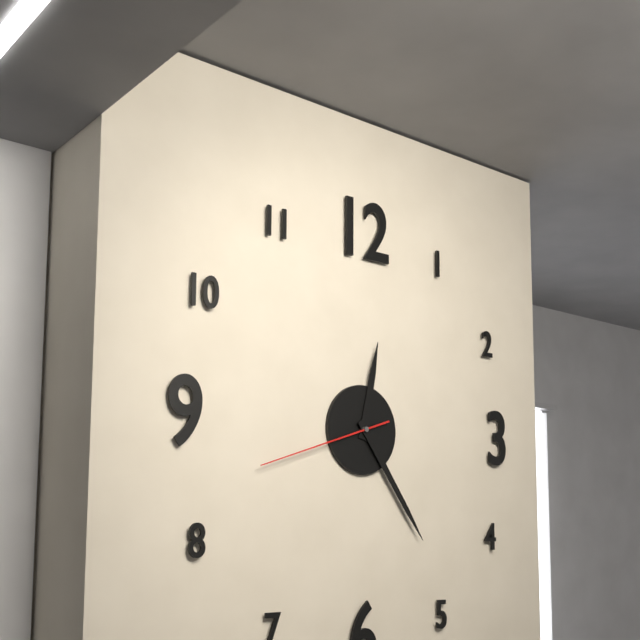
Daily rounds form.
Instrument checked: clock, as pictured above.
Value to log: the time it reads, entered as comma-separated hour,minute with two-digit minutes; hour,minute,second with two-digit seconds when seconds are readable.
12,24,42
